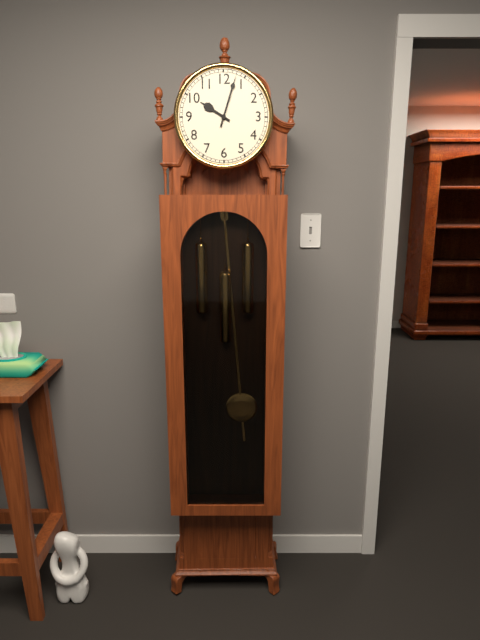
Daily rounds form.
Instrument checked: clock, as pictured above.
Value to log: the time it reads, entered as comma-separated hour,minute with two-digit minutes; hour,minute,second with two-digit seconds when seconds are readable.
10,03
